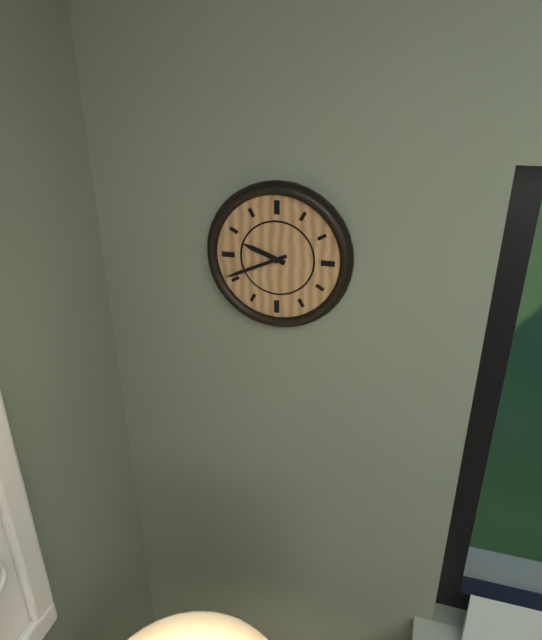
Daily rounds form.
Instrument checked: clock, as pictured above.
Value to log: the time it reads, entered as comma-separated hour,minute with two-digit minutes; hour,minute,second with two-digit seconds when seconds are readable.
9,41
